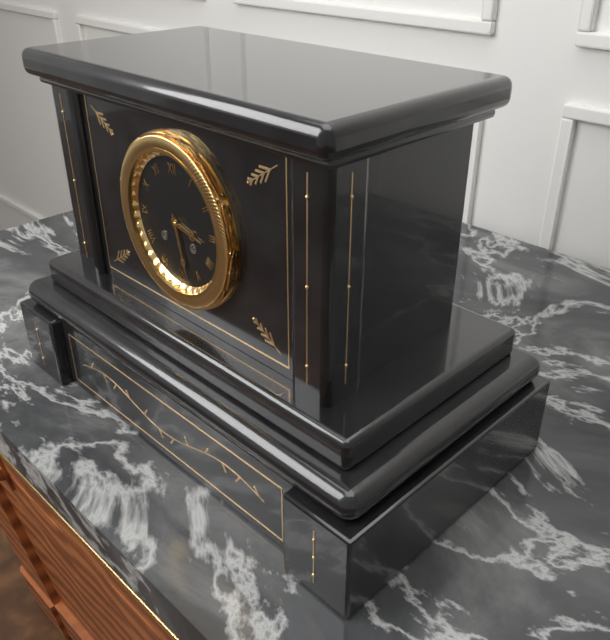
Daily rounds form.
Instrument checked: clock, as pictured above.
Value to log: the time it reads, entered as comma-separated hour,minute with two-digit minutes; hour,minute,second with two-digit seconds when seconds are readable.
3,28
